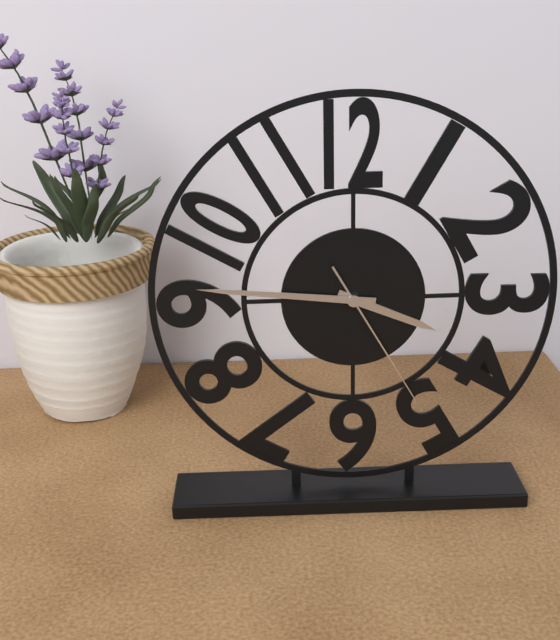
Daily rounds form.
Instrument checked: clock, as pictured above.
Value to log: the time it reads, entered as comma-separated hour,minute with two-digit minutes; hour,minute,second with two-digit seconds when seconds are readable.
3,46,25
